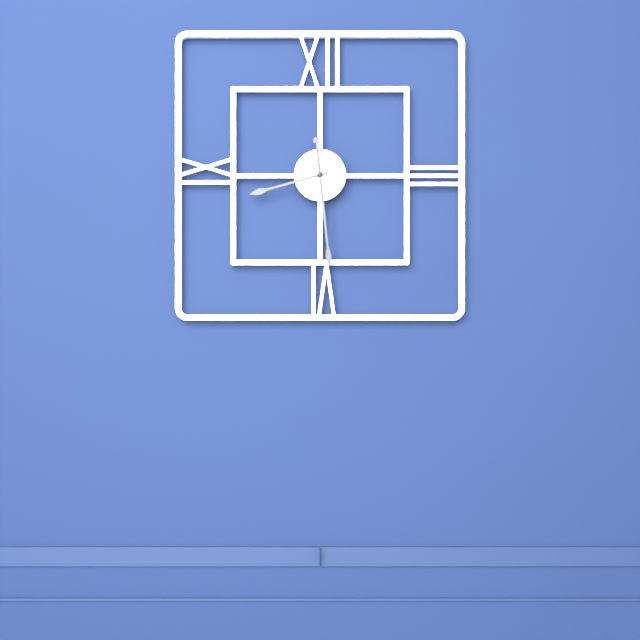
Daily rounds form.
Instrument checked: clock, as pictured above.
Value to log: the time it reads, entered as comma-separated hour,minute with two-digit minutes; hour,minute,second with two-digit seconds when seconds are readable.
8,29
